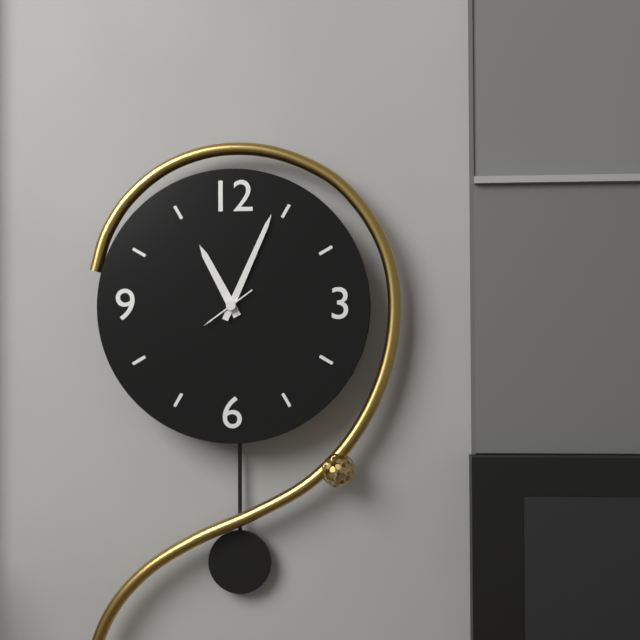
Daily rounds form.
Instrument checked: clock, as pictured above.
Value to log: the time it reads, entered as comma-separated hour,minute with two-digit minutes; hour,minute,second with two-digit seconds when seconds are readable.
11,04
